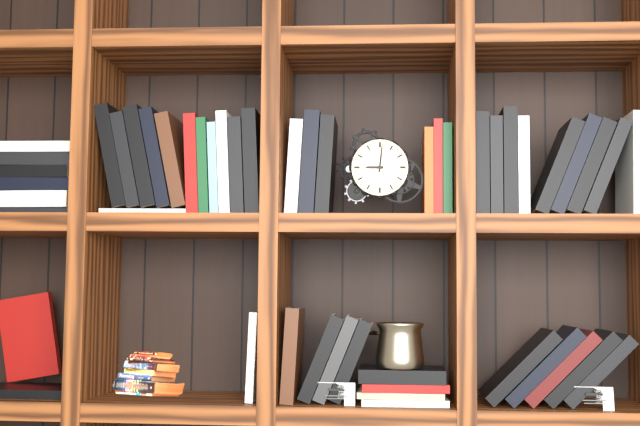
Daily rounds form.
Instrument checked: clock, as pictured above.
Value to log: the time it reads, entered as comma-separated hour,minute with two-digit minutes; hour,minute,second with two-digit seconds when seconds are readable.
9,01
